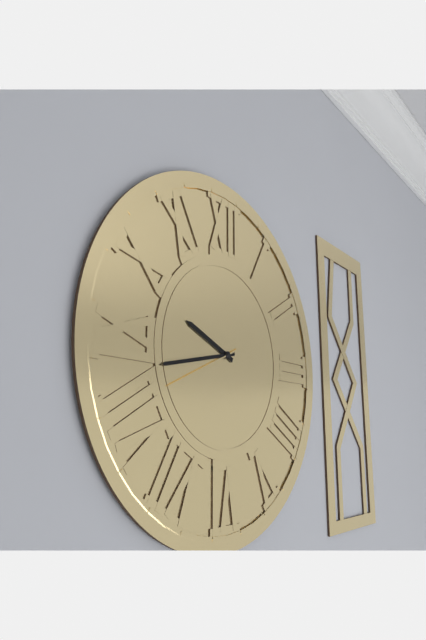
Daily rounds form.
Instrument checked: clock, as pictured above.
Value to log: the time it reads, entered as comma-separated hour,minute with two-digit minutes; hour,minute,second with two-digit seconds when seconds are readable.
9,43,41
